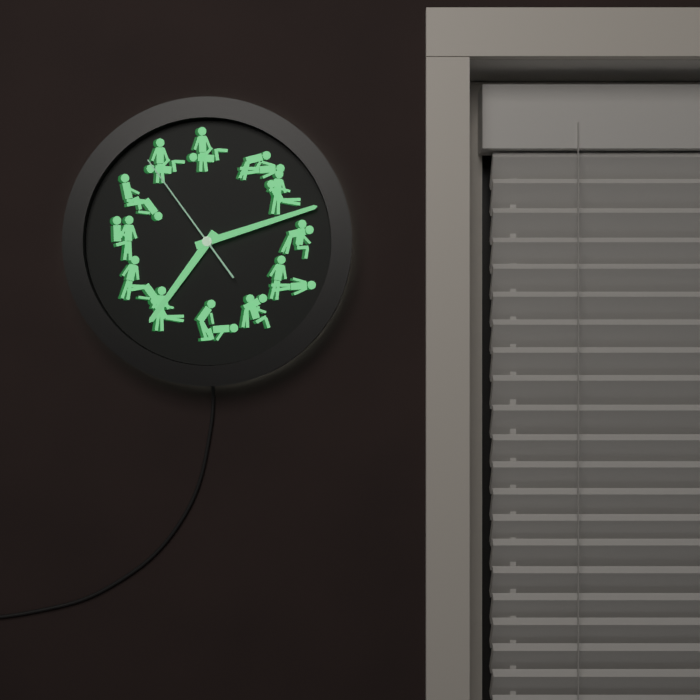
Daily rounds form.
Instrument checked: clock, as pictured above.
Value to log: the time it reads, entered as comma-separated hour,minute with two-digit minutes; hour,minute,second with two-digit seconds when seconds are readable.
7,12,54
